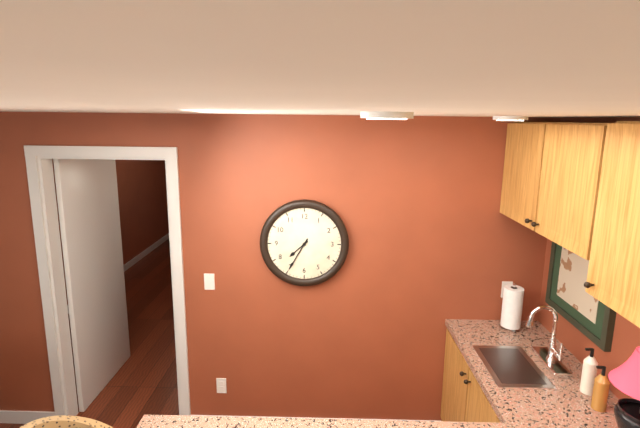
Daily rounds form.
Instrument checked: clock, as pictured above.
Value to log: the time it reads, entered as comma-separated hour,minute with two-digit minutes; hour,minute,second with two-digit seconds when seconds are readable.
7,35
